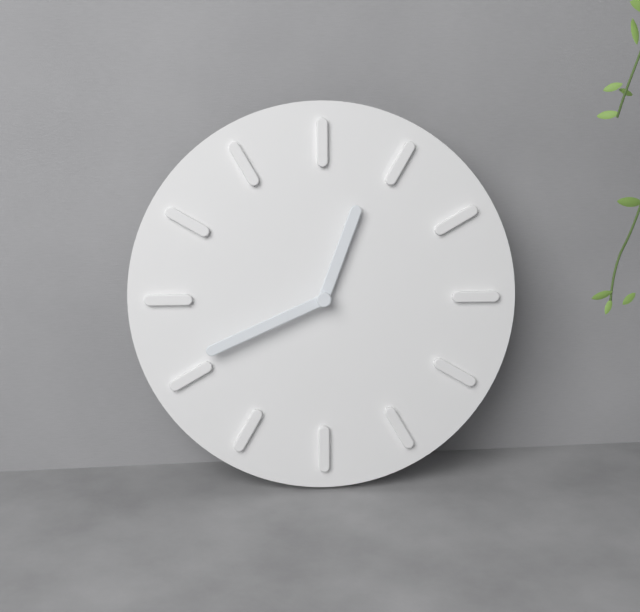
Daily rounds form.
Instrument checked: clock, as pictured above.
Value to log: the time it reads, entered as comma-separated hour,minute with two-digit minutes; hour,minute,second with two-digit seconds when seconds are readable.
12,41
